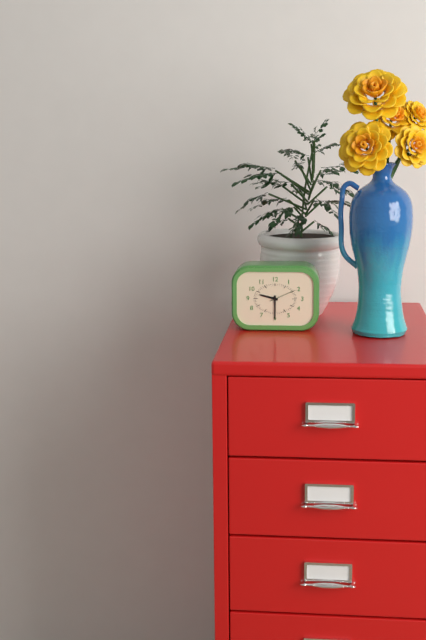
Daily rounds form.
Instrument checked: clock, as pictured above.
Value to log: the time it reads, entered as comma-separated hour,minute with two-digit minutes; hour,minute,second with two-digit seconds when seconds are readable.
9,30
